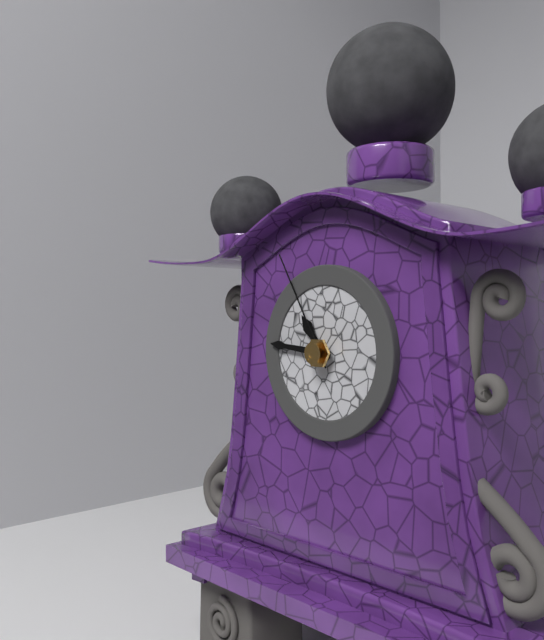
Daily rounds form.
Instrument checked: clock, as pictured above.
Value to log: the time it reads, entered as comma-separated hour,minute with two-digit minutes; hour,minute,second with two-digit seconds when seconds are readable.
10,46,55
